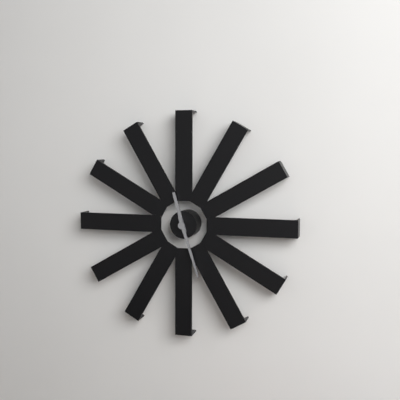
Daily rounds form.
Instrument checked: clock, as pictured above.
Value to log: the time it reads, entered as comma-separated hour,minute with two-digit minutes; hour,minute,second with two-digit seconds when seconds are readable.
11,27
